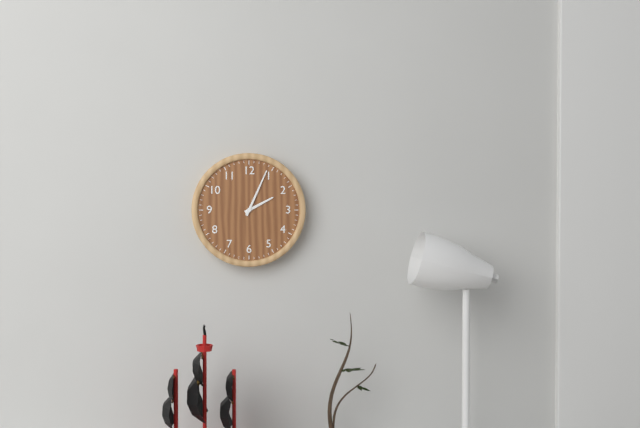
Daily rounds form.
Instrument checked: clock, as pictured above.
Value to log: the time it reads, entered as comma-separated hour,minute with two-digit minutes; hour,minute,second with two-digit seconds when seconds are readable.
2,04
